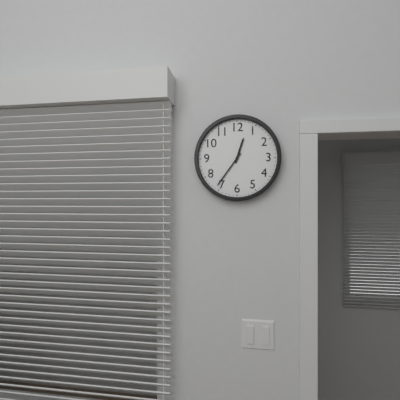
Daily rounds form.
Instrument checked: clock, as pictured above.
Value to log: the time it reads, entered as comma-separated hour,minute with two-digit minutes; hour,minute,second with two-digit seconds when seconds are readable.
12,36
